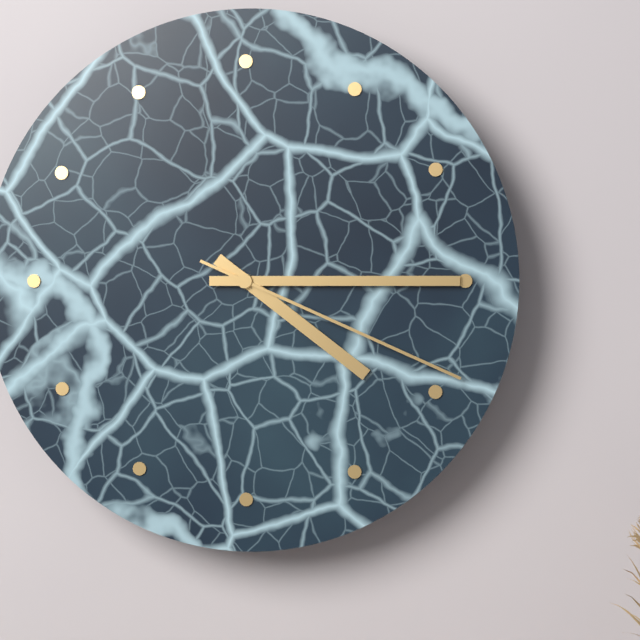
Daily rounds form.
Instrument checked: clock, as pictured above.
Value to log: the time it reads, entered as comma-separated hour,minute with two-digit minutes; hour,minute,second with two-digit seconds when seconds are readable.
4,15,19
